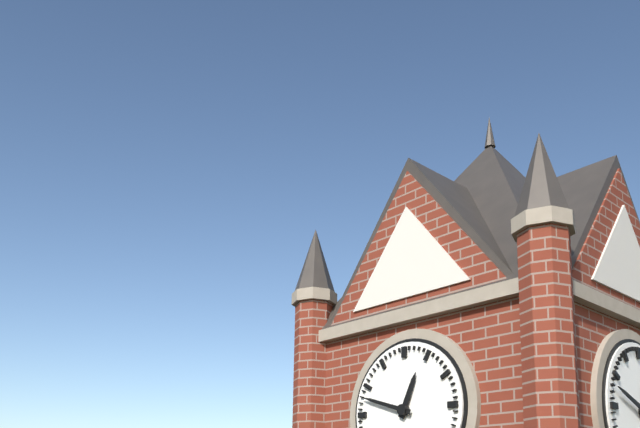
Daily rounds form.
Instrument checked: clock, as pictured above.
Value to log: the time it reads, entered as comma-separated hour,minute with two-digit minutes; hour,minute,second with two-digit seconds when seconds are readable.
12,48
